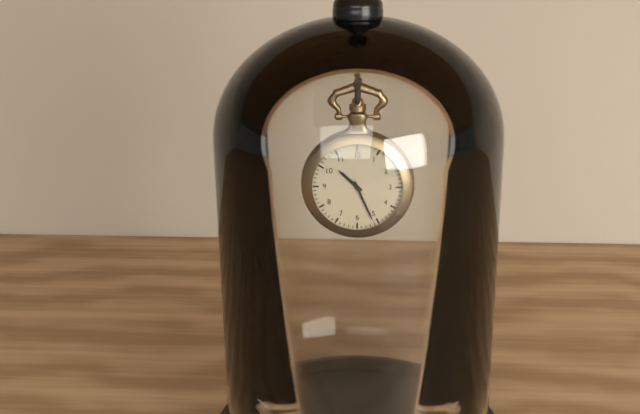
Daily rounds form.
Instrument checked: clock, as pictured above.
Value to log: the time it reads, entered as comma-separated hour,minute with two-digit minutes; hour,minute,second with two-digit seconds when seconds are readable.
10,26
